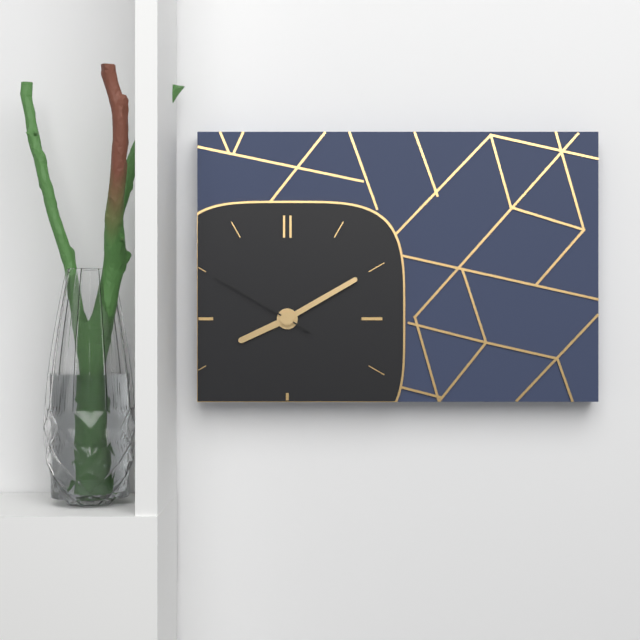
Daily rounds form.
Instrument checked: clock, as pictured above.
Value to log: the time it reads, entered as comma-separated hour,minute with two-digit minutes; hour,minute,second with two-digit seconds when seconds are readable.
8,10,50
